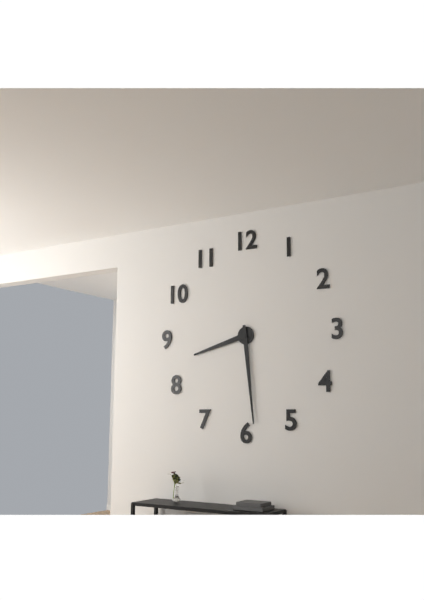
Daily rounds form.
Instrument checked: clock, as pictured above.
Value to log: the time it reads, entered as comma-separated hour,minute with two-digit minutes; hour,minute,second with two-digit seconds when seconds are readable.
8,29
